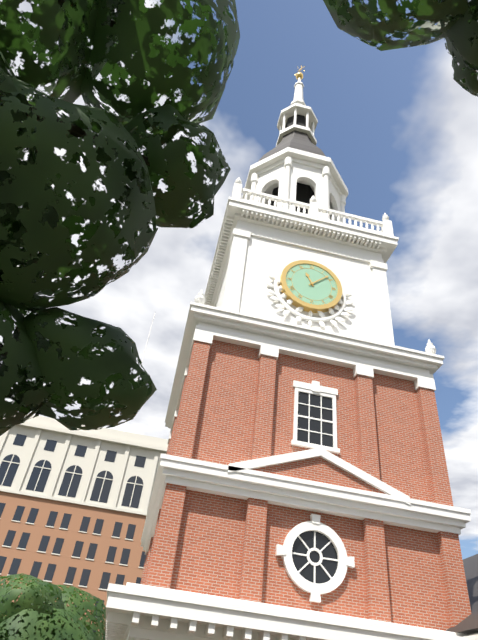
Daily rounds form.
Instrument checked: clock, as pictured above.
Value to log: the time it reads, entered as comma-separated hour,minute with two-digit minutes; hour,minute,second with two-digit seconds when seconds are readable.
11,08
